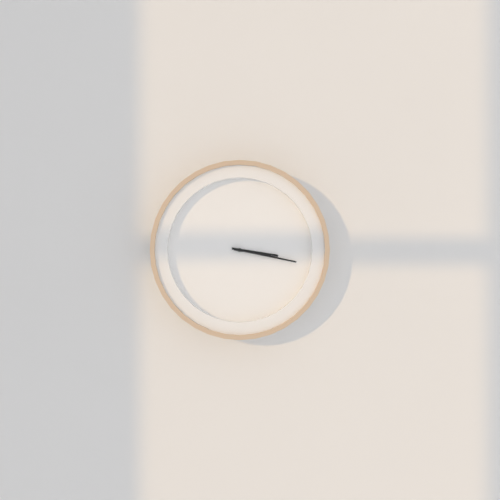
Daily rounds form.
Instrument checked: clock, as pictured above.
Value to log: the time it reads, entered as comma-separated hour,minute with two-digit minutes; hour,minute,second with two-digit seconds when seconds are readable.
3,17
